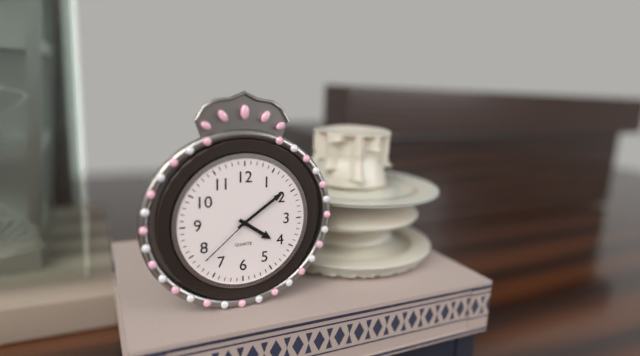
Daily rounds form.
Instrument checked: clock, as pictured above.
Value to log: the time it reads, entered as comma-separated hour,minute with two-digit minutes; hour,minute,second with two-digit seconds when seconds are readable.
4,09,38
